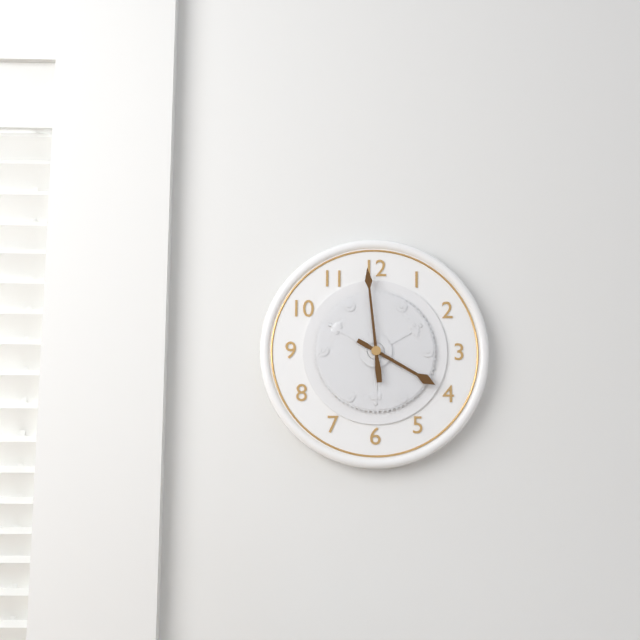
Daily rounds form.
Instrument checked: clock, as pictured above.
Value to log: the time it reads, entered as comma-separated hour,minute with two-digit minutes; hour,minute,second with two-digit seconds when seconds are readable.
3,59
